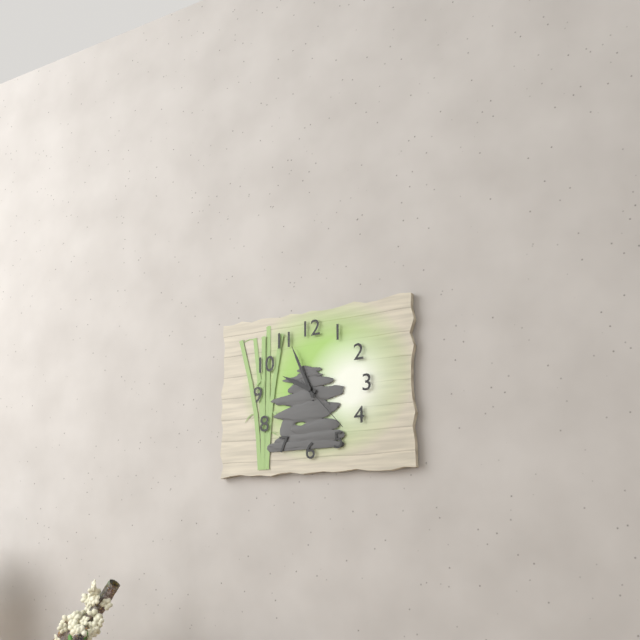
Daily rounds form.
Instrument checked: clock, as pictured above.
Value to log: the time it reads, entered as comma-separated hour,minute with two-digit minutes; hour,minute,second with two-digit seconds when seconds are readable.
9,56,23
